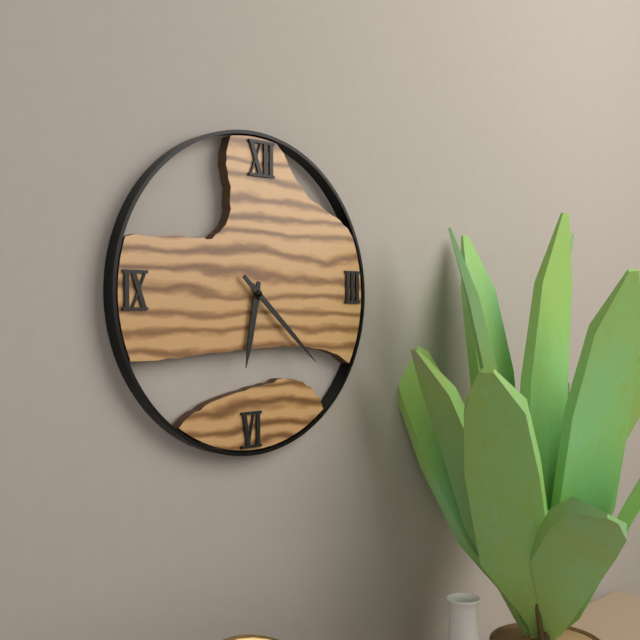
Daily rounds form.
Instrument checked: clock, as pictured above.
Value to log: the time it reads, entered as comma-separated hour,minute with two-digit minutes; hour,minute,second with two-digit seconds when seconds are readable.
6,22
